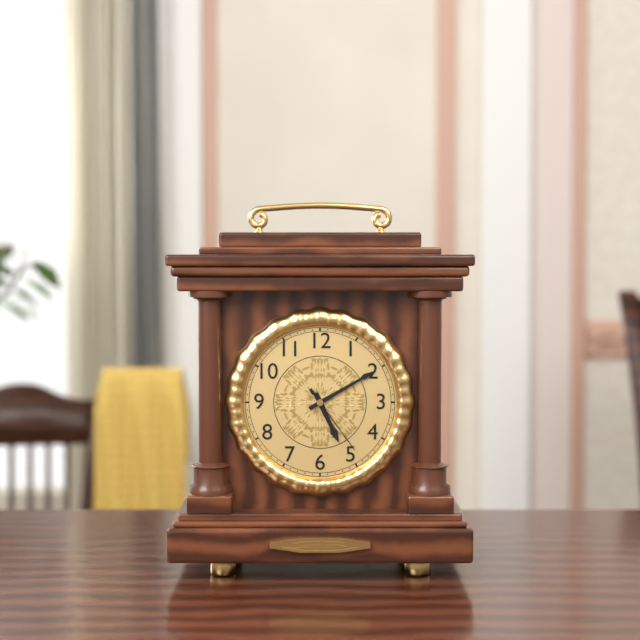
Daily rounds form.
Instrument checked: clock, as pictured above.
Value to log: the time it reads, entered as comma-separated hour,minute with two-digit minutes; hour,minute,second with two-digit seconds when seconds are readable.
5,10,24
